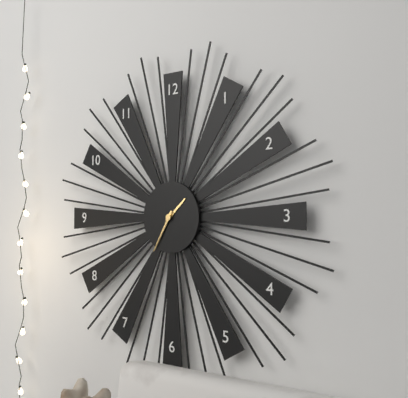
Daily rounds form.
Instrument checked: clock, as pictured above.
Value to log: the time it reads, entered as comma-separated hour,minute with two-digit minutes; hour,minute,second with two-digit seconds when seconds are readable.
1,35
